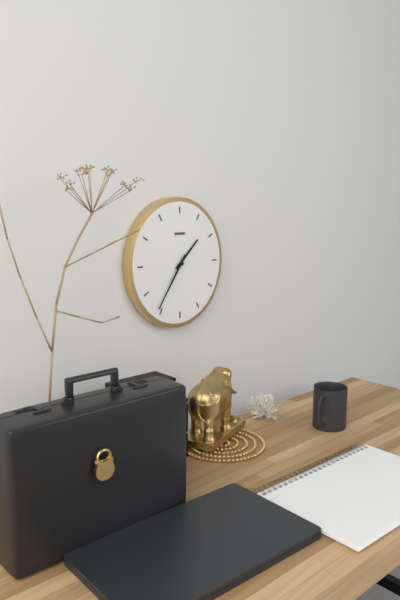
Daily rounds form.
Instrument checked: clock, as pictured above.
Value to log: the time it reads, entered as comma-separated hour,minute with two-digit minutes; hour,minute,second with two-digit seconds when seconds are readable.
1,36
